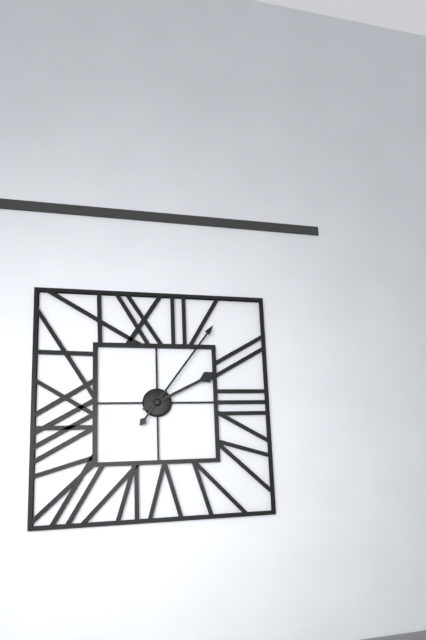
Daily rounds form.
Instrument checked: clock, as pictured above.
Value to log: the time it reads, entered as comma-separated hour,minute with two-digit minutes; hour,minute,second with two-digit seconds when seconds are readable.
2,06
